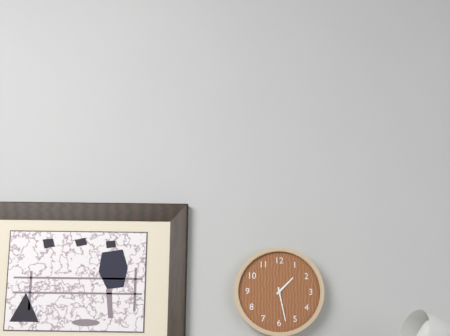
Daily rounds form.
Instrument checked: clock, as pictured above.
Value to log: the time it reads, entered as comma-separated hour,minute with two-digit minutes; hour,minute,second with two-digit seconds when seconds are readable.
1,28
